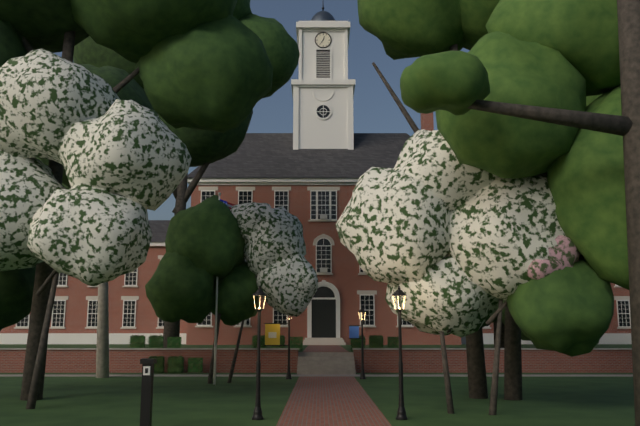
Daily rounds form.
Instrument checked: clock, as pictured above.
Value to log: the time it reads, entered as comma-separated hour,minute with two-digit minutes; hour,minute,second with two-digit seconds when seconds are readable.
12,36
